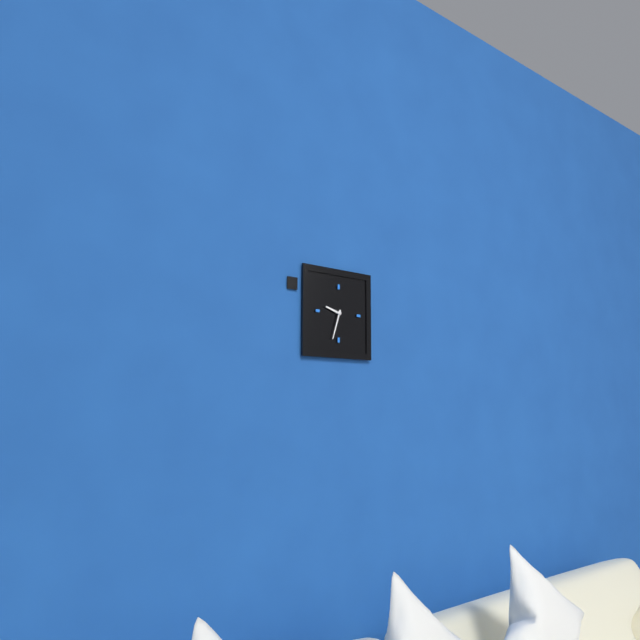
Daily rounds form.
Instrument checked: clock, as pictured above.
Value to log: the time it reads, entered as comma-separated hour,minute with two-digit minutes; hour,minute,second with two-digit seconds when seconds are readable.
9,33
